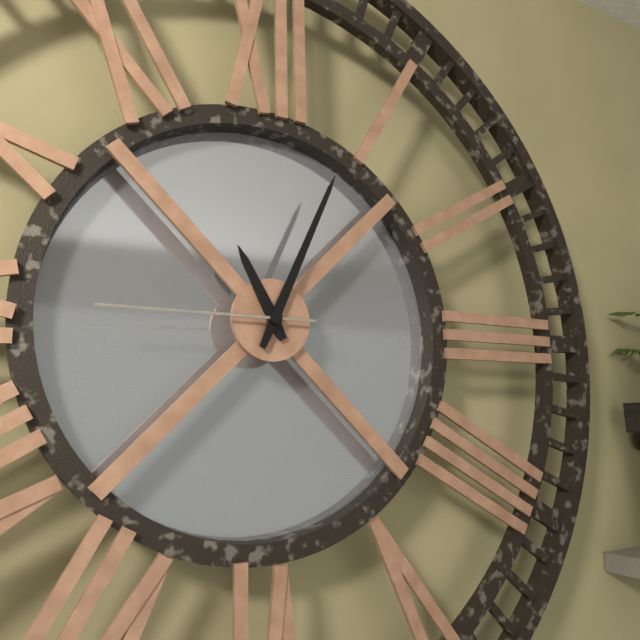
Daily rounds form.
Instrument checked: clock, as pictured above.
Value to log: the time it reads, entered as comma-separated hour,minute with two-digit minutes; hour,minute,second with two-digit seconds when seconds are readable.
11,04,45
